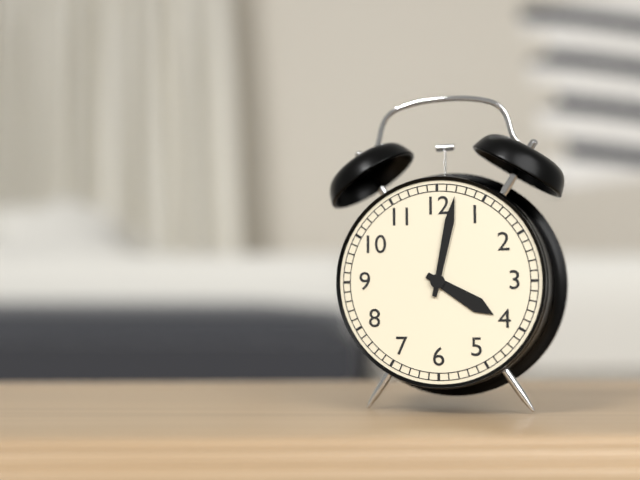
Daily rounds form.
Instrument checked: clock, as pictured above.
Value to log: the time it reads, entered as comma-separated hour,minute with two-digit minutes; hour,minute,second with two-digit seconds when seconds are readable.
4,02
